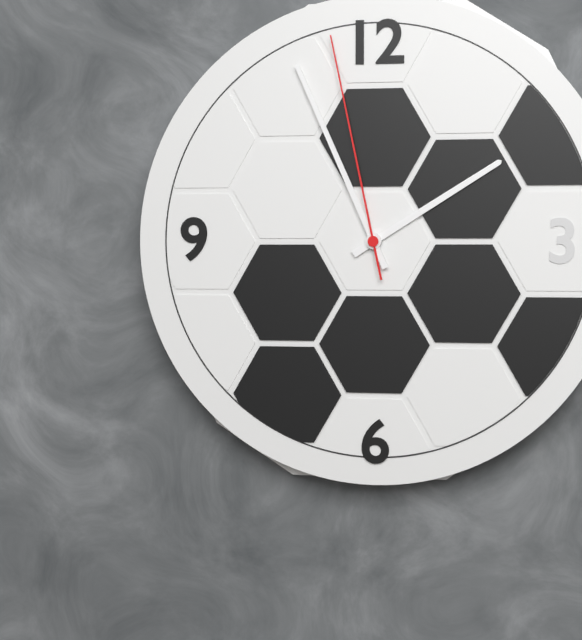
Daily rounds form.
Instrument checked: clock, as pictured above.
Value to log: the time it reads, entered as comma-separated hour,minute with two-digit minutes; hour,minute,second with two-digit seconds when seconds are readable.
1,56,58
